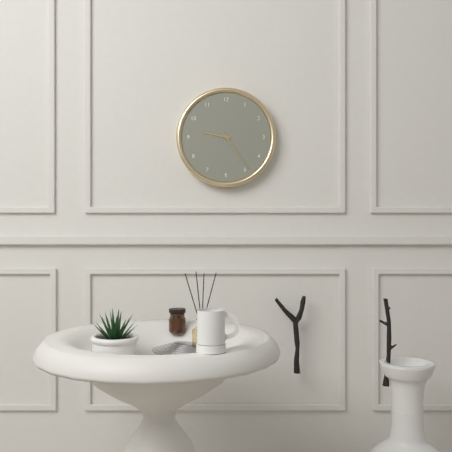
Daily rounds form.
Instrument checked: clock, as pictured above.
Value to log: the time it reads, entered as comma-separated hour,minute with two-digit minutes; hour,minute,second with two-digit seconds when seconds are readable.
9,24
